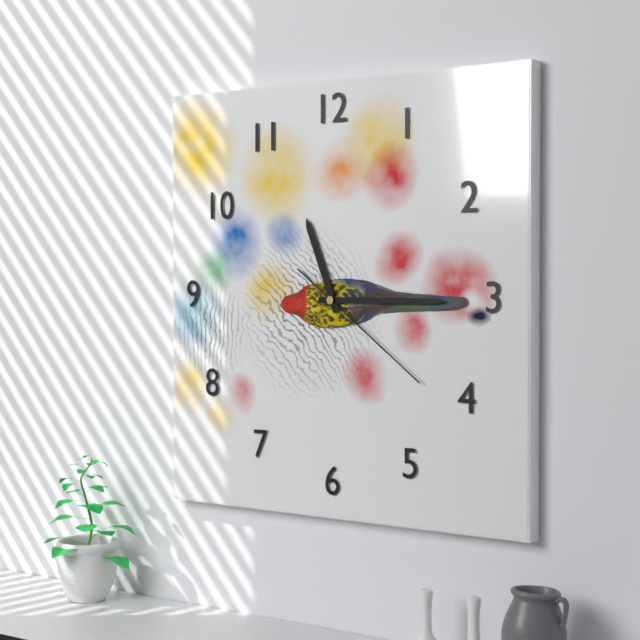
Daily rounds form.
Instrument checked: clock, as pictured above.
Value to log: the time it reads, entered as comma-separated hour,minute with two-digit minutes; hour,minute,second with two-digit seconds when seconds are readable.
11,15,21
